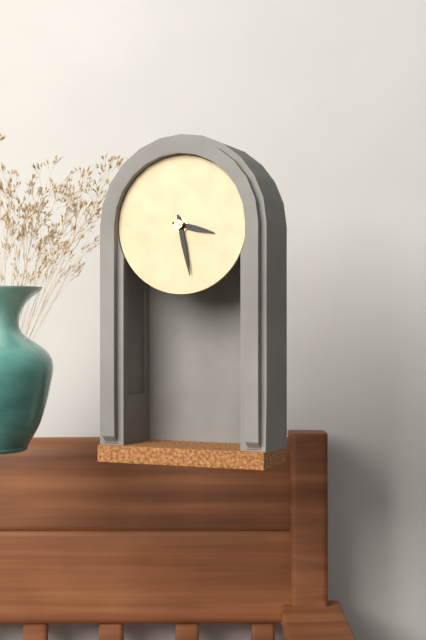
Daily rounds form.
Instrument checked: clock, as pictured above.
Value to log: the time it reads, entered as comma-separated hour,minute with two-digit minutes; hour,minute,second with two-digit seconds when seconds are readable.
3,28
